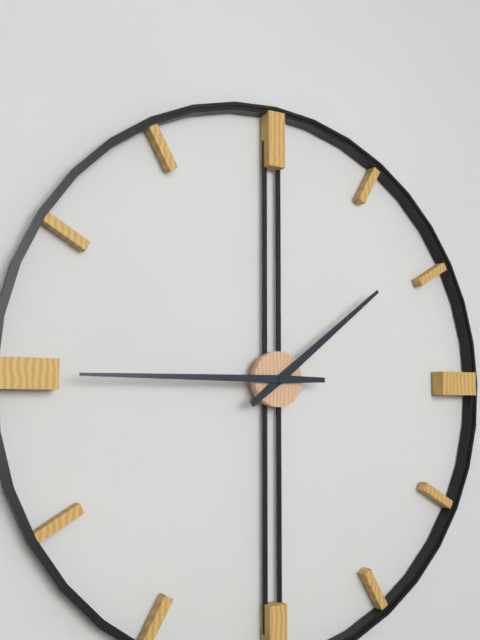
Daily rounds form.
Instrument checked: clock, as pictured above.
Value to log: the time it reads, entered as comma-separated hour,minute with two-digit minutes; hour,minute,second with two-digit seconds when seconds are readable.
1,45
